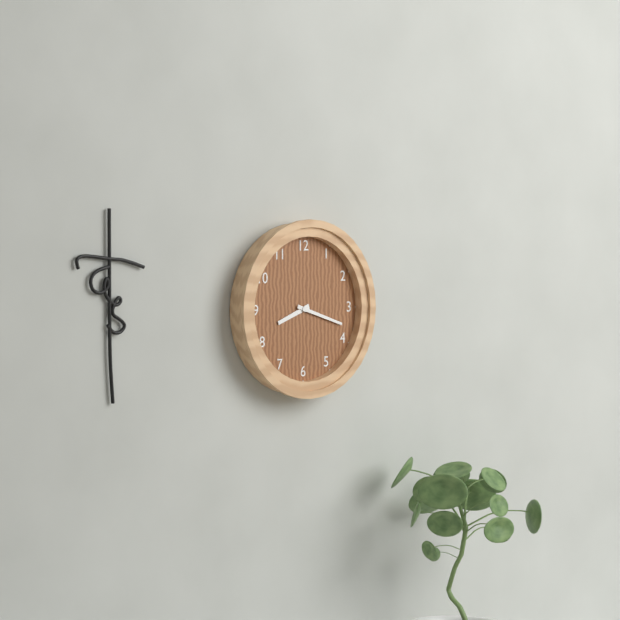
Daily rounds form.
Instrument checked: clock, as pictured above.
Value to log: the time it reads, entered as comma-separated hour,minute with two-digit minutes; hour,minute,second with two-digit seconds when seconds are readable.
8,18
